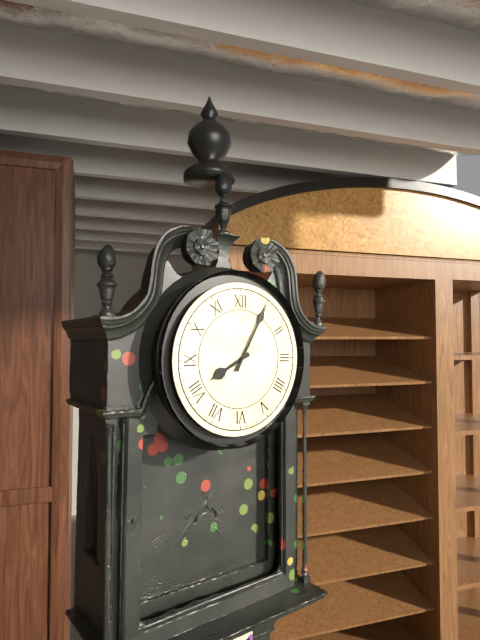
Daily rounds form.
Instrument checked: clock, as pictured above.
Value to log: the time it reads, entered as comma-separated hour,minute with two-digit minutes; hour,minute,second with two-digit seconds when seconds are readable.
8,05
